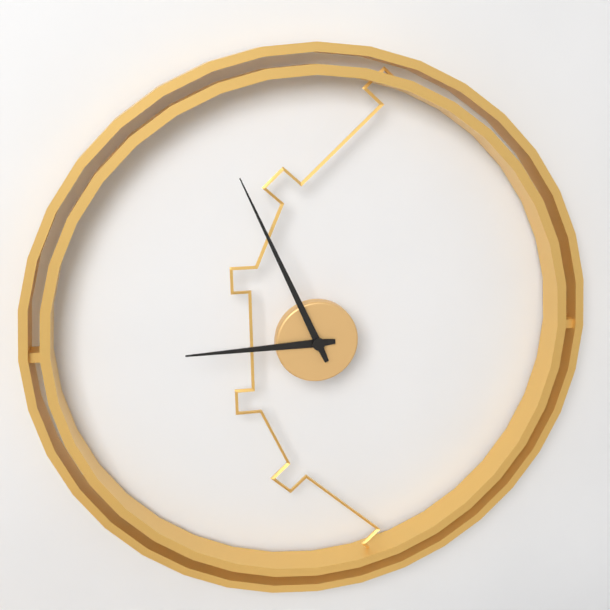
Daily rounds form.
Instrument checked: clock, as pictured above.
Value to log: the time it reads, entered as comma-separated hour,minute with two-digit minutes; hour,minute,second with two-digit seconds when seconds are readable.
8,56
